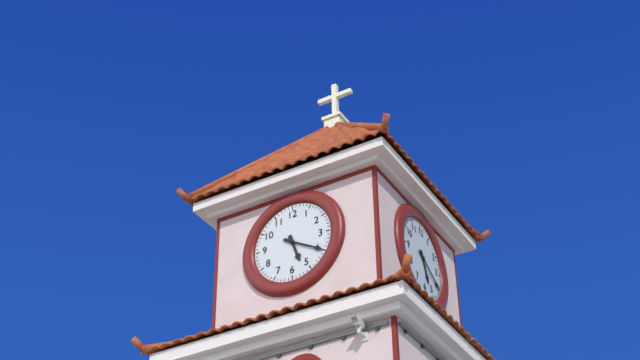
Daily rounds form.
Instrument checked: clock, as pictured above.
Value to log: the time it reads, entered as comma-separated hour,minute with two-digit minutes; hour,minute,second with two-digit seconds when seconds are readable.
5,20
